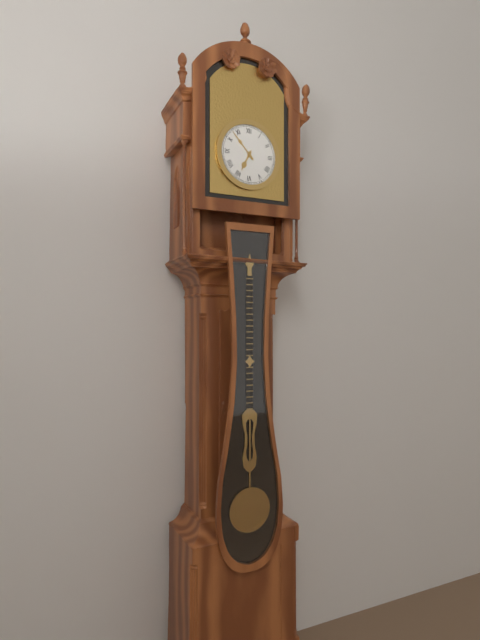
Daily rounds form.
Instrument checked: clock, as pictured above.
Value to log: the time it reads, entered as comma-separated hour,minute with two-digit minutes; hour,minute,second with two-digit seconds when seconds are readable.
6,53
